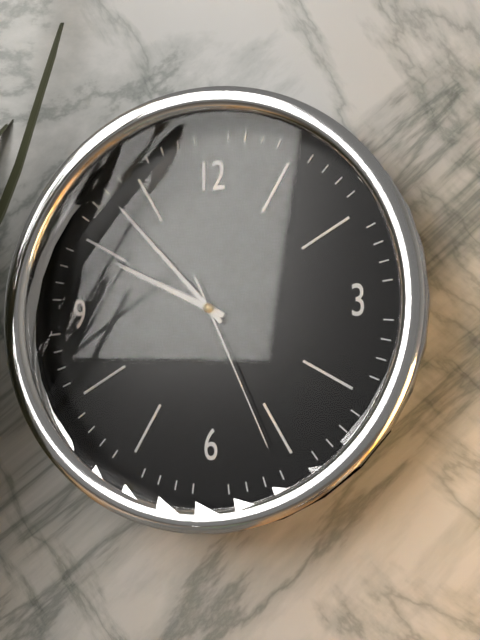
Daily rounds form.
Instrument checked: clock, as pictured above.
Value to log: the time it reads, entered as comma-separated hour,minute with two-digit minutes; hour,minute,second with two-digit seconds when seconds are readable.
9,53,26
